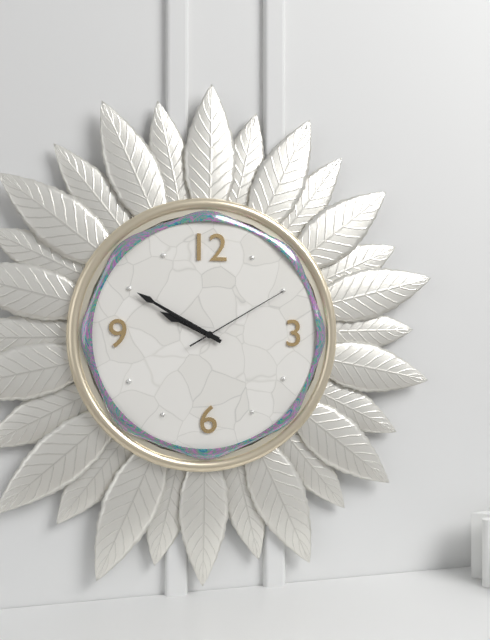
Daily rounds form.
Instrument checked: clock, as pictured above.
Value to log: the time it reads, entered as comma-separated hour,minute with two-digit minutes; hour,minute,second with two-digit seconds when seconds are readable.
9,50,10
